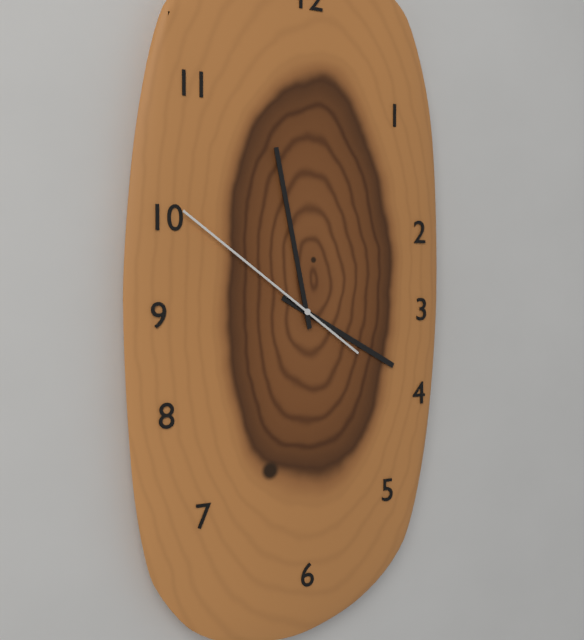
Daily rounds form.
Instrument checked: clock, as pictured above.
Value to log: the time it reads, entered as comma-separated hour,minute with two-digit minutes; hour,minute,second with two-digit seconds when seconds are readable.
3,58,51
